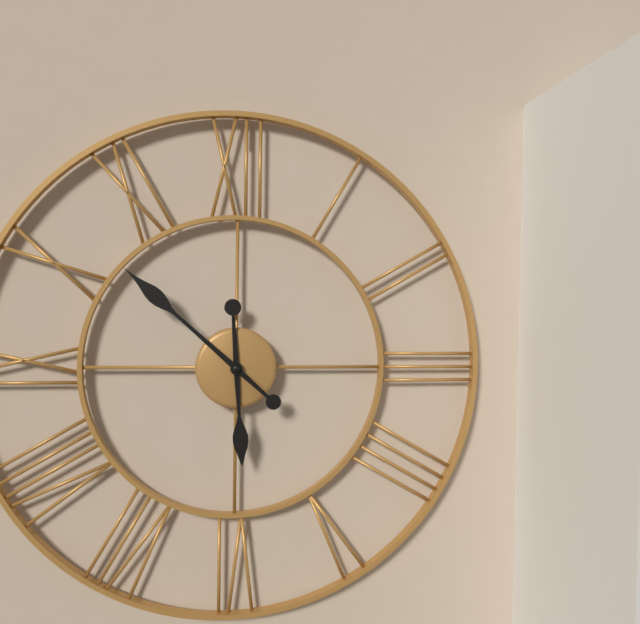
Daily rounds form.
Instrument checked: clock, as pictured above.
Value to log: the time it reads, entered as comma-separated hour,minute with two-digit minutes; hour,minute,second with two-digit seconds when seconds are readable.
5,52
